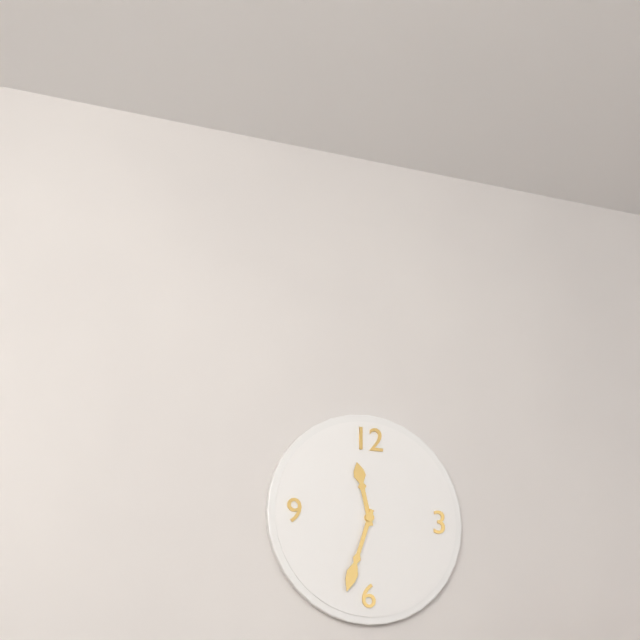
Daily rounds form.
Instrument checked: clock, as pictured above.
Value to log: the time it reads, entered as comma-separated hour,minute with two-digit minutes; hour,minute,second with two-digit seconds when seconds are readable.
11,33
